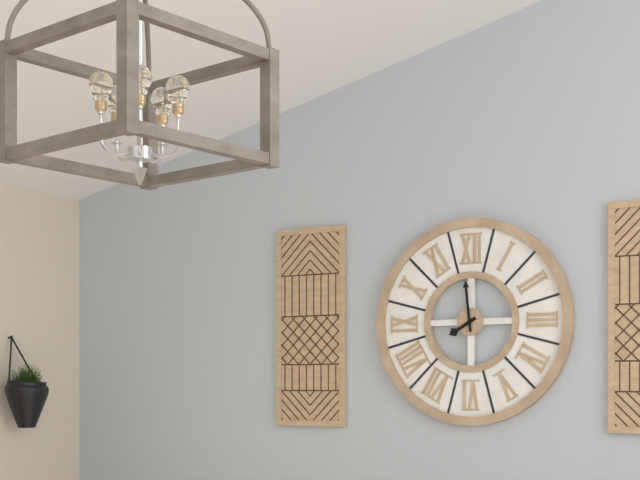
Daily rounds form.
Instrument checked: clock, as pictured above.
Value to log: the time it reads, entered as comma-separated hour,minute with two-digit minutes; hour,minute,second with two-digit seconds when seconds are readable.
7,59
